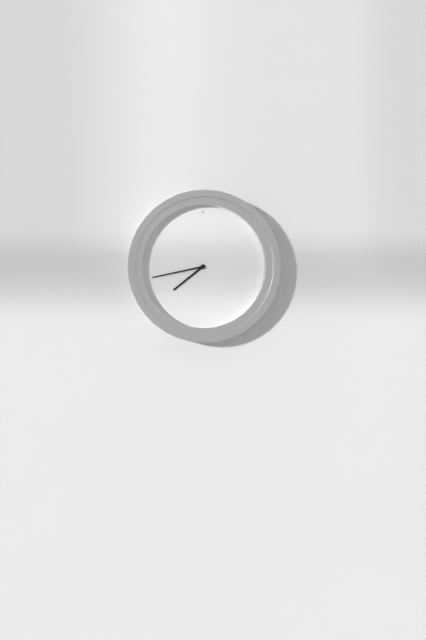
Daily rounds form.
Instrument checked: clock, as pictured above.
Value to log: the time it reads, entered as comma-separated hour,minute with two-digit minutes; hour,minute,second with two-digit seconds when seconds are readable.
7,43
